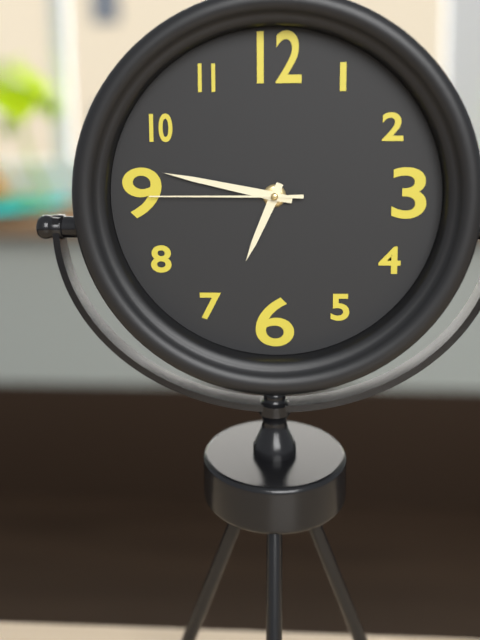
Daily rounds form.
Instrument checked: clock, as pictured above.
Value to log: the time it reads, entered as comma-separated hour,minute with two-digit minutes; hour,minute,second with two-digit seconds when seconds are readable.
6,47,45
